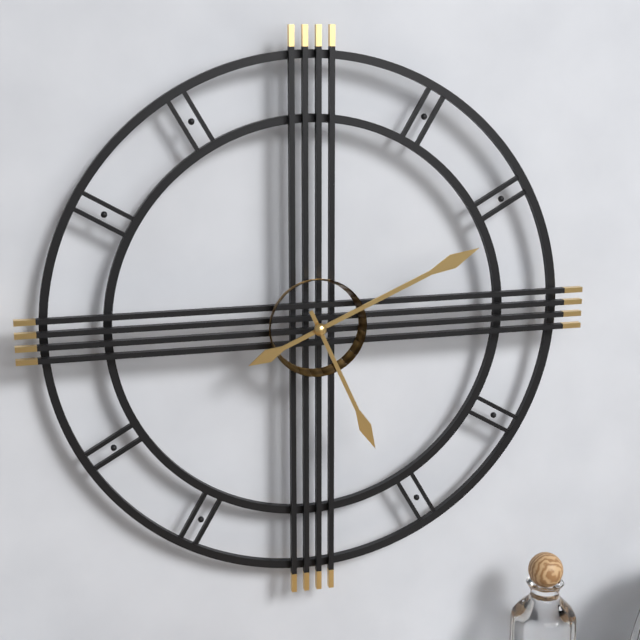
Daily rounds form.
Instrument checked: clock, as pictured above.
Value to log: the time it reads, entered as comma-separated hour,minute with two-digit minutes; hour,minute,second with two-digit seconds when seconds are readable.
5,11
